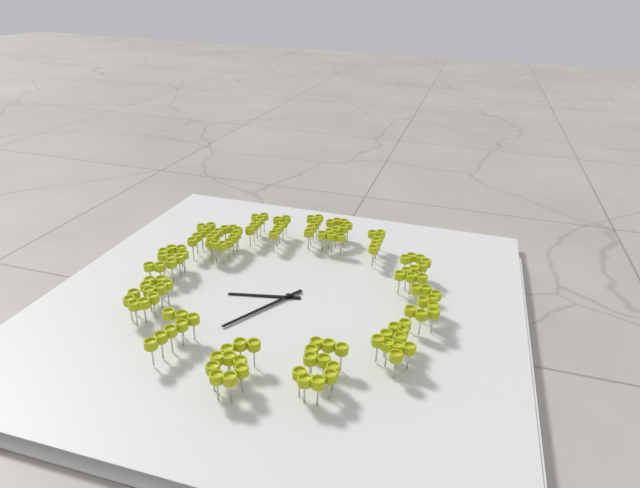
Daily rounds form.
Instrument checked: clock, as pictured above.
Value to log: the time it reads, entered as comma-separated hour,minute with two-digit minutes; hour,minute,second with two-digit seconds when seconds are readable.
8,35
